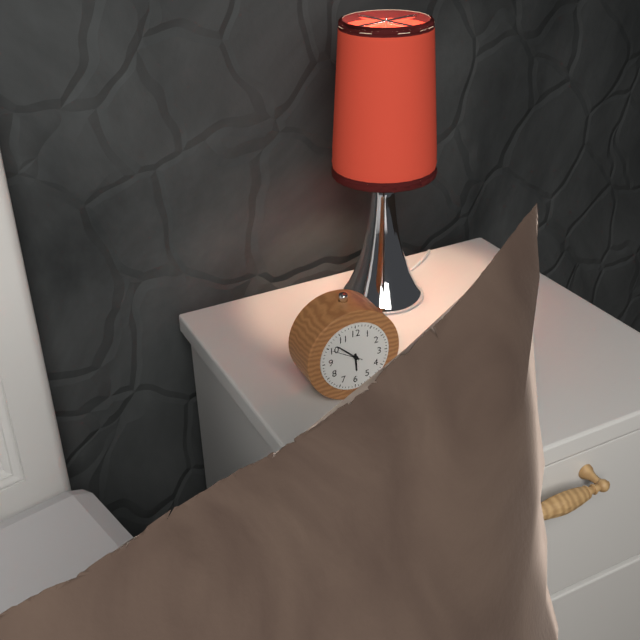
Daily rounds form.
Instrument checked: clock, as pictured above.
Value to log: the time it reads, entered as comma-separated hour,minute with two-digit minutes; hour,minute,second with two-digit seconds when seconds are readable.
5,52
